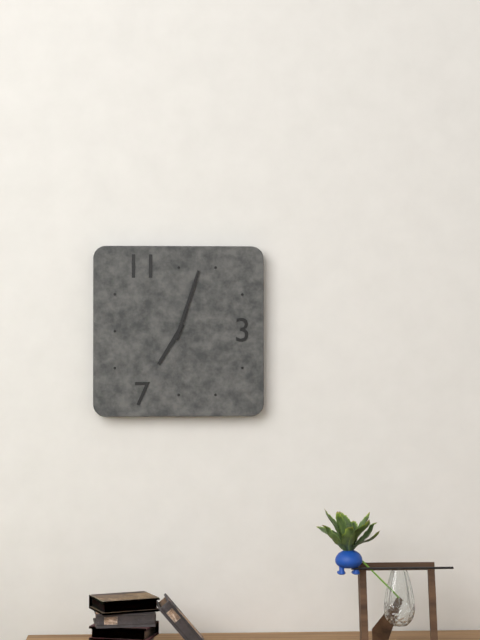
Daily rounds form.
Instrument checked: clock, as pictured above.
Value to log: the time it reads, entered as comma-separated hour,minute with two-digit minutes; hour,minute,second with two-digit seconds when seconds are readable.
7,03
